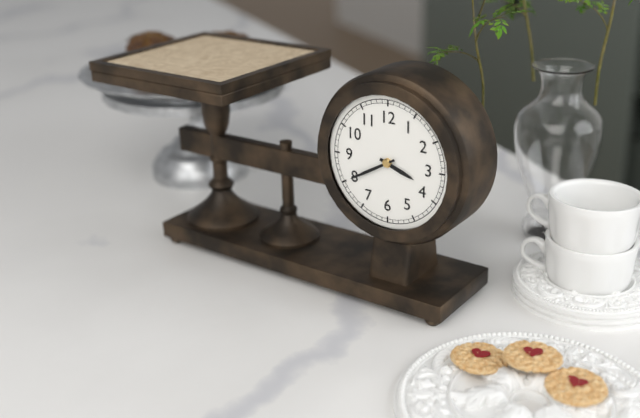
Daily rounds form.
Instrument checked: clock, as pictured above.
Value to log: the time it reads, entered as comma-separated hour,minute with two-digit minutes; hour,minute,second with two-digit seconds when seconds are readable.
3,40
